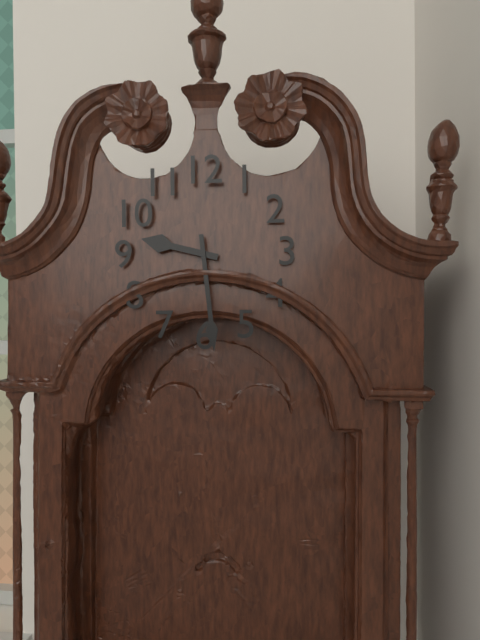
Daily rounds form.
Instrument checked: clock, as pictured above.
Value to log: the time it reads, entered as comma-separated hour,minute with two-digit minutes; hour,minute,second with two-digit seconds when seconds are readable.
9,29
